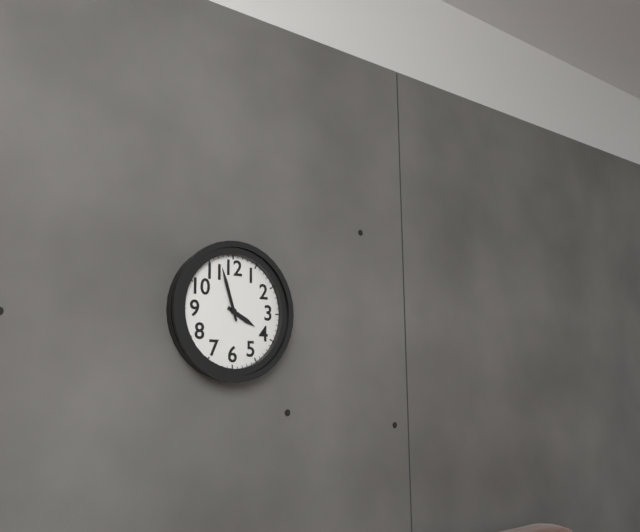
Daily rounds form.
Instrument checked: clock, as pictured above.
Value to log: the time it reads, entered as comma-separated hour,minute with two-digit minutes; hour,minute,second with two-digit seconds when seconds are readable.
3,57
